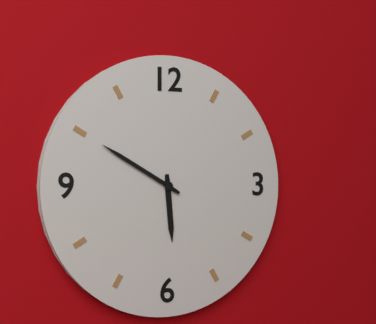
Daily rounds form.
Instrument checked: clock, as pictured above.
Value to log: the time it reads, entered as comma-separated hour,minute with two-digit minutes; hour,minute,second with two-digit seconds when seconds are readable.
5,50
